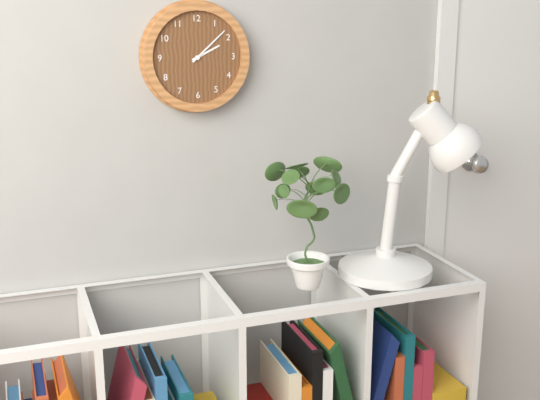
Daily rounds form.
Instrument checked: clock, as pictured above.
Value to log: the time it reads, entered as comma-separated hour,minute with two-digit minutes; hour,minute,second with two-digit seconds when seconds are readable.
2,08
